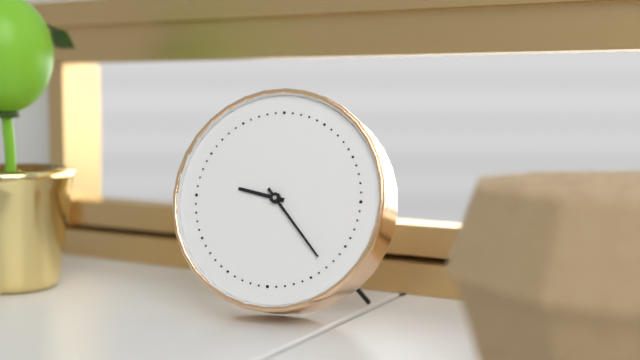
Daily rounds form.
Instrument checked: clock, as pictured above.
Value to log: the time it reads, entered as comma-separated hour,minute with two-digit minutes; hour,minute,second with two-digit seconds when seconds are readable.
9,23
